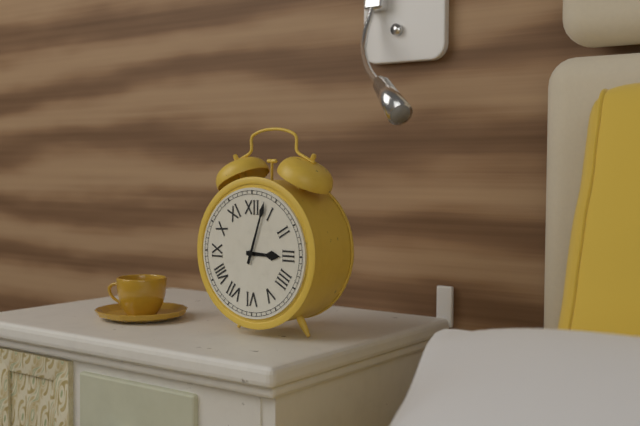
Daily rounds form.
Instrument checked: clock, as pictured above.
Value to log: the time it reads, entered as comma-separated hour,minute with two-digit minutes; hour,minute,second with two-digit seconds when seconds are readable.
3,03
